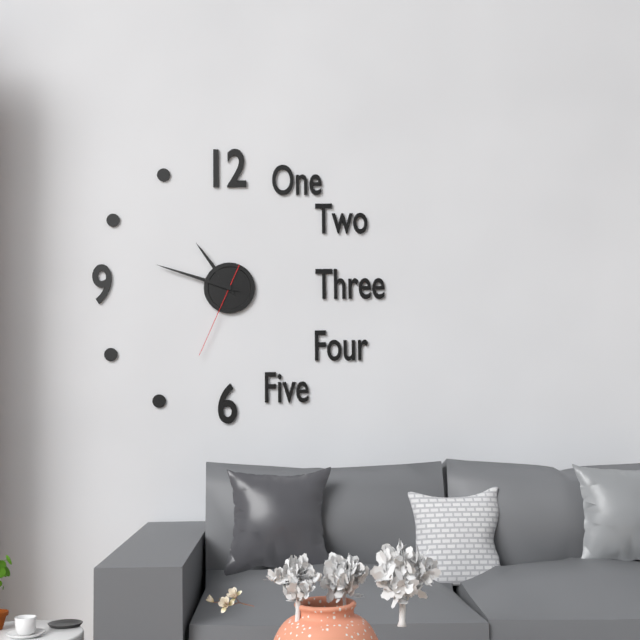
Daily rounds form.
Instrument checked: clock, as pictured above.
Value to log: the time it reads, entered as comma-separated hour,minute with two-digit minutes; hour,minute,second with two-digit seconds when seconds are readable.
10,48,34
